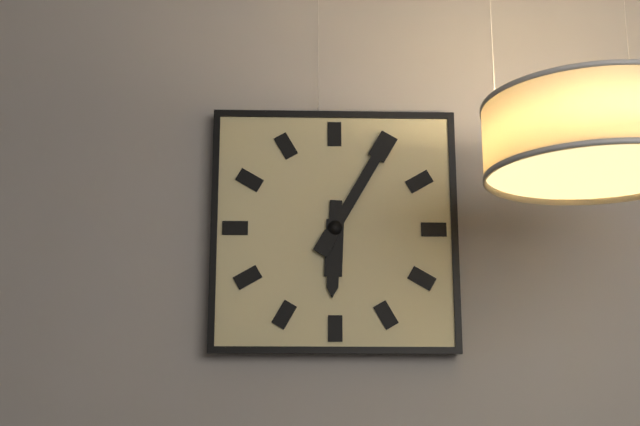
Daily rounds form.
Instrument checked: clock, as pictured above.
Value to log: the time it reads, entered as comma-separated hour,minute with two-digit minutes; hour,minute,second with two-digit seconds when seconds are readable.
6,05
